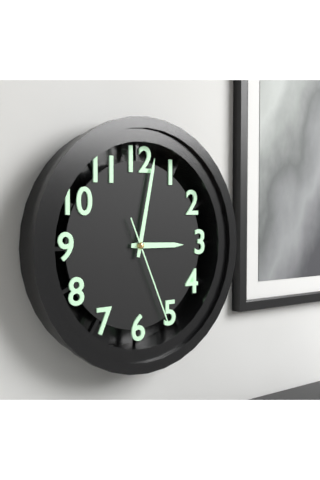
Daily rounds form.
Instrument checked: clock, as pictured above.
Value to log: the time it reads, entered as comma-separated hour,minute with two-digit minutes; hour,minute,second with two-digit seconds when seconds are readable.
3,02,26
